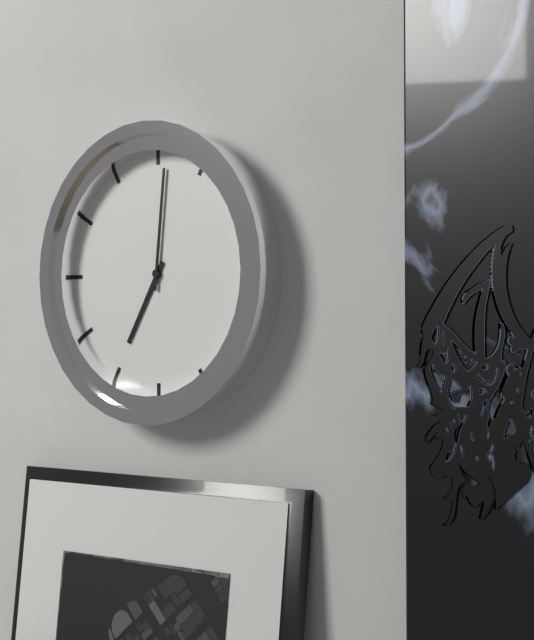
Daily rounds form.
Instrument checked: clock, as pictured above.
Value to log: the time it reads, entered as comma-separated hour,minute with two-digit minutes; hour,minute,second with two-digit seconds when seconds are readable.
7,01
